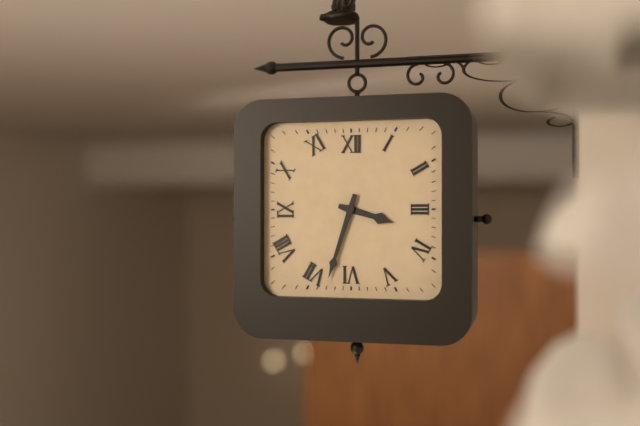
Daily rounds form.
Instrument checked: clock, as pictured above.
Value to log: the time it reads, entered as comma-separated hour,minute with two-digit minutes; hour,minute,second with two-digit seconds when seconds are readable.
3,33
